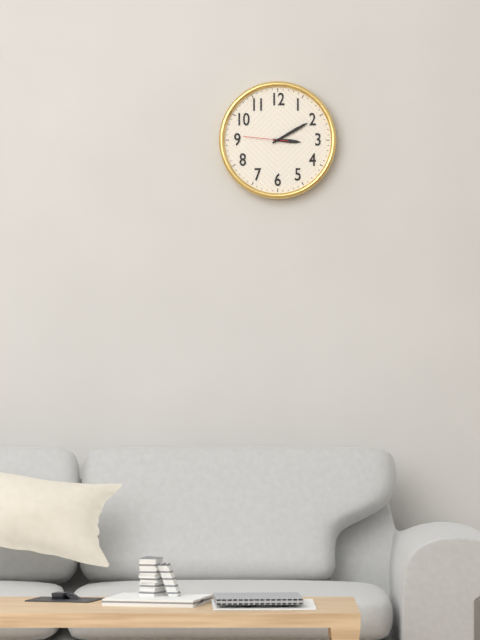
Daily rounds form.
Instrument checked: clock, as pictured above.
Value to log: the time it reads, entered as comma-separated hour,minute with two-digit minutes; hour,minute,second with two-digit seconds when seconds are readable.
3,10
